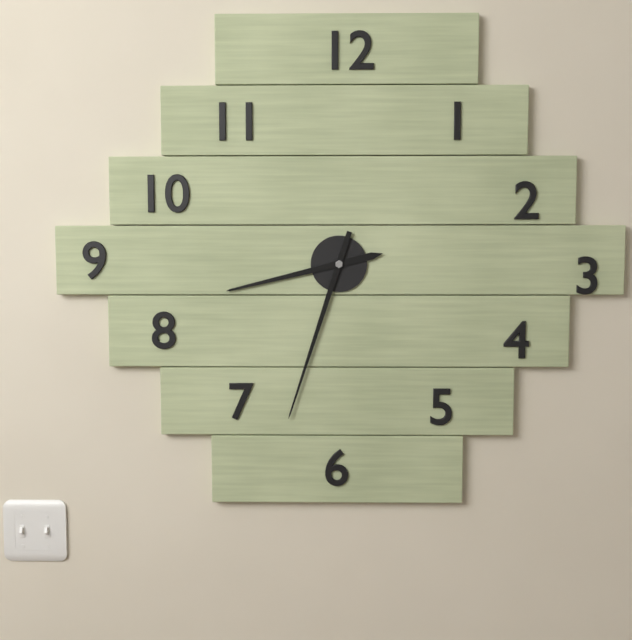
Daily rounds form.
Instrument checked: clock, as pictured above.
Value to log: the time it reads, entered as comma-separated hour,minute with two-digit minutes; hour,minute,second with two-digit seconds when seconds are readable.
8,33
